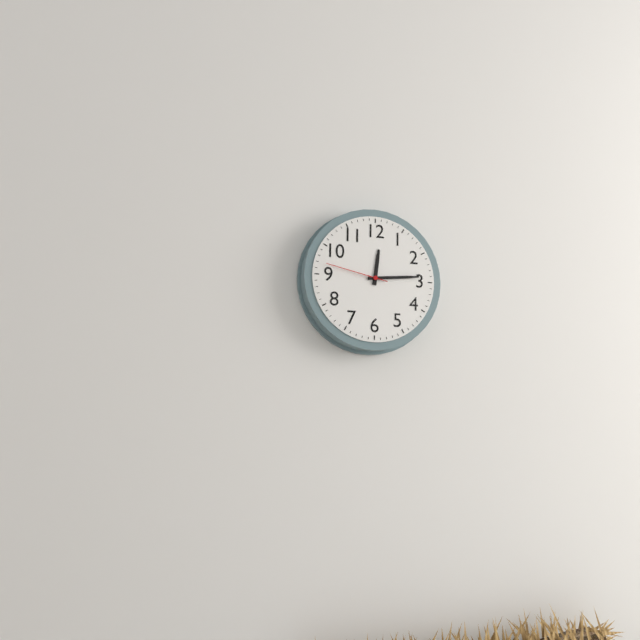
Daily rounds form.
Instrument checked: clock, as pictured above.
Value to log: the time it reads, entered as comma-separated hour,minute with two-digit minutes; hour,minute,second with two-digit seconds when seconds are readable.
12,14,47
